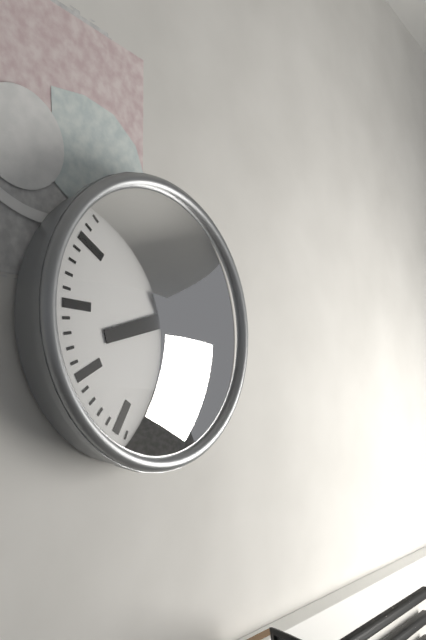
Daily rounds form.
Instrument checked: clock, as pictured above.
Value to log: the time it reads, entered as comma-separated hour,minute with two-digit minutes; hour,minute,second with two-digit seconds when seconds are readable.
8,25
